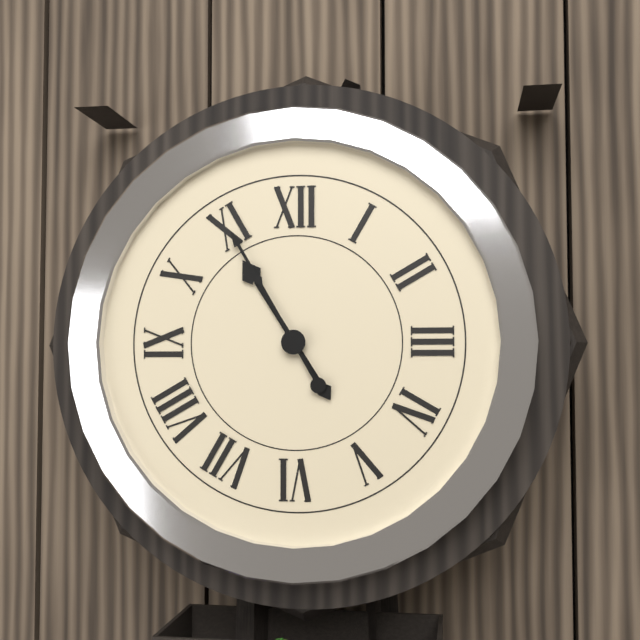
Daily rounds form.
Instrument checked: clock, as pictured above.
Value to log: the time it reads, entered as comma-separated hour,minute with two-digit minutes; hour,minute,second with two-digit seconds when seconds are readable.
10,55
